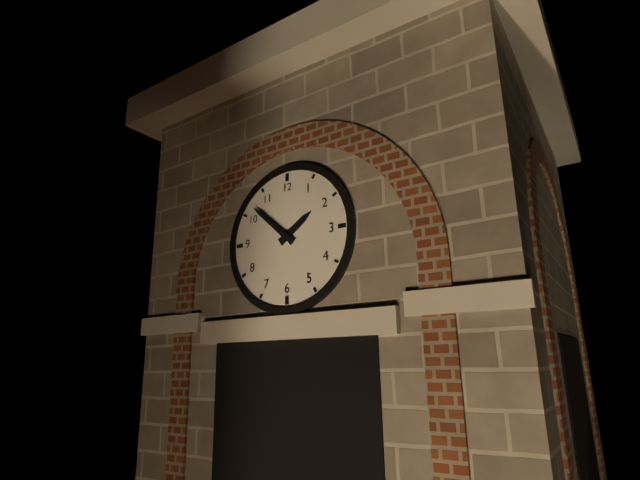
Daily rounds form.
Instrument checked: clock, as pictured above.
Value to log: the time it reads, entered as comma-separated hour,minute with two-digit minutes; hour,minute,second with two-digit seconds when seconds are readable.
1,52
